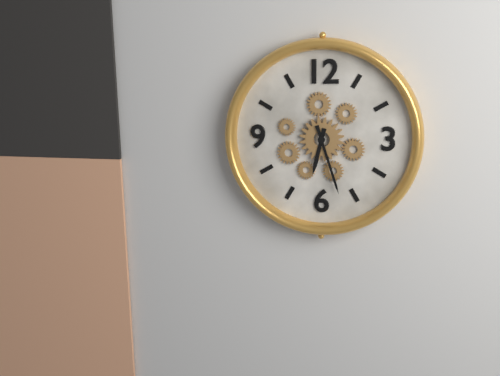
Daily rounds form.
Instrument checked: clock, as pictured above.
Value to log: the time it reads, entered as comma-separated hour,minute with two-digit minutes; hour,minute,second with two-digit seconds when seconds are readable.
6,27
